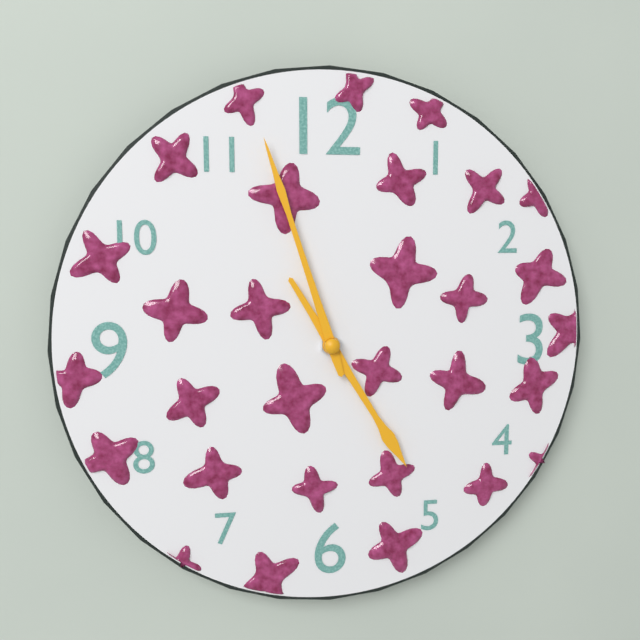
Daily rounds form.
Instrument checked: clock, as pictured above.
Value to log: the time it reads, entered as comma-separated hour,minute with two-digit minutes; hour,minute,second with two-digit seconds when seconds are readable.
4,57
